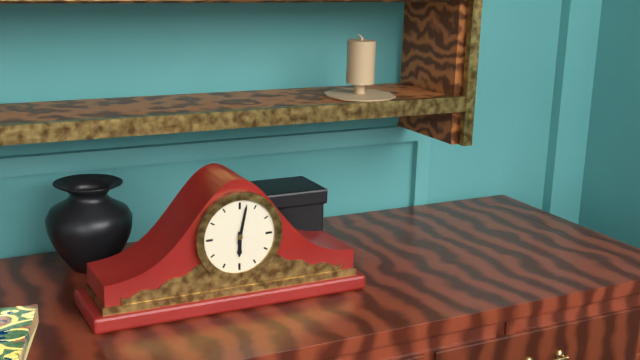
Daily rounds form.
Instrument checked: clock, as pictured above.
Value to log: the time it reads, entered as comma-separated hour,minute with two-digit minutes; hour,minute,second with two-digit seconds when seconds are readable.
6,02
